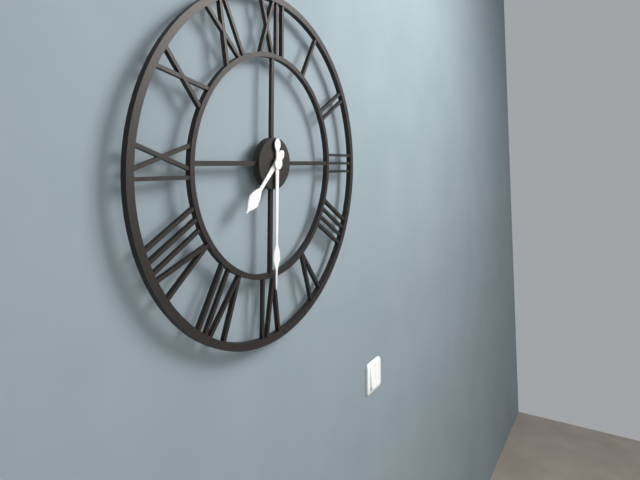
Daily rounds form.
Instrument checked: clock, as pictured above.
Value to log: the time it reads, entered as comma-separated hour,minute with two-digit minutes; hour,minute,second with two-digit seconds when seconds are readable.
7,30
